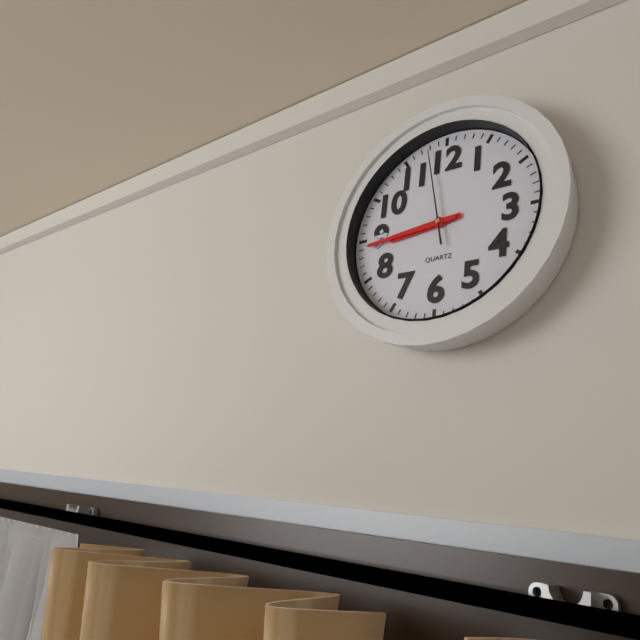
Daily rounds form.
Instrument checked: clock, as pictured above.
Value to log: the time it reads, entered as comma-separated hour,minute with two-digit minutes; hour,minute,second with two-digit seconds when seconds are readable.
8,44,58
